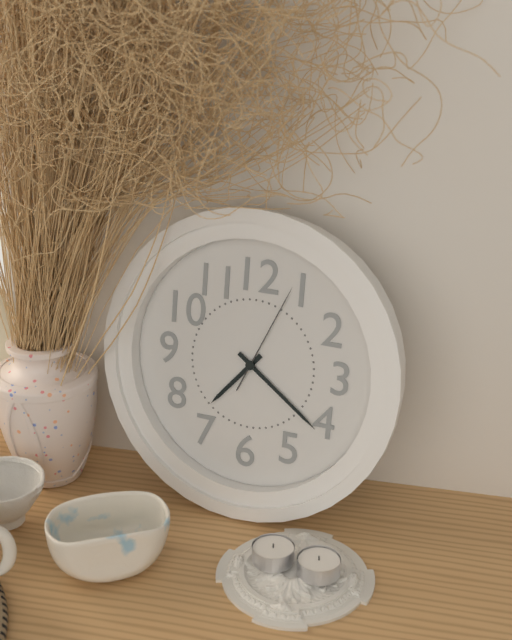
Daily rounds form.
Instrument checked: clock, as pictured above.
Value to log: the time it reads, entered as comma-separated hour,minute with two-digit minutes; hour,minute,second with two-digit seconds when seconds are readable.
7,21,04
